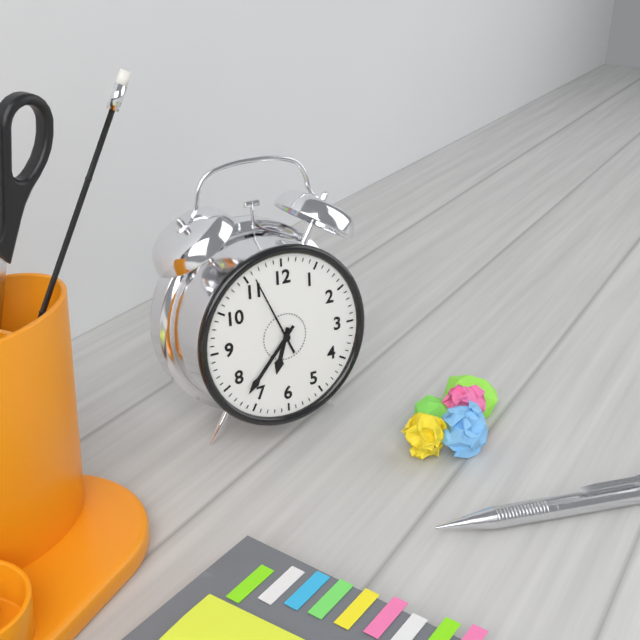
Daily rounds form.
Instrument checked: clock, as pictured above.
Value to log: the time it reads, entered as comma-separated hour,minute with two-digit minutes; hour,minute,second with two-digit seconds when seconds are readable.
6,37,56
